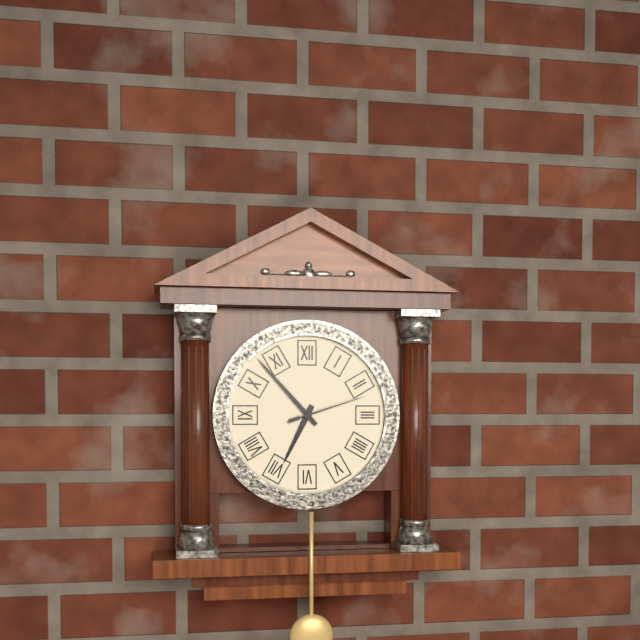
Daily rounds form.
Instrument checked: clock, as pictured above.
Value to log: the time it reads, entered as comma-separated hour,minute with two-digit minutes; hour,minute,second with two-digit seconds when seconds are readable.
6,53,12
